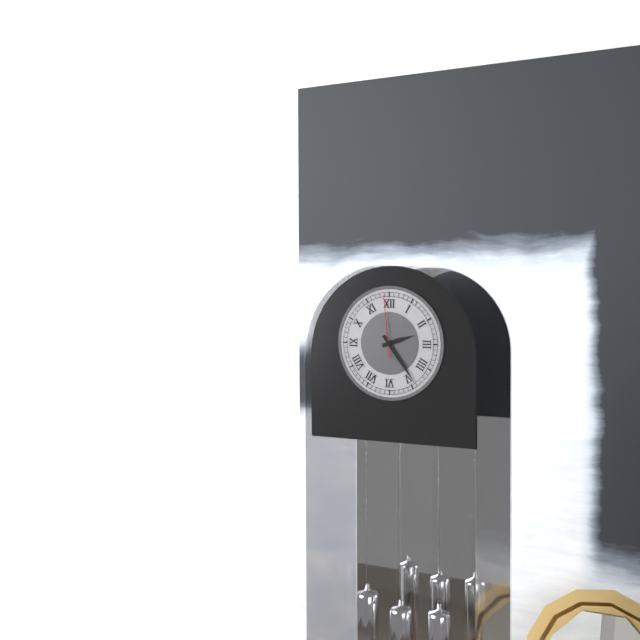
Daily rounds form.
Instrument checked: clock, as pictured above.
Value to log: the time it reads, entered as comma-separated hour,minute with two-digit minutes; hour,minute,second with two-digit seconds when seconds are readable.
2,24,59
